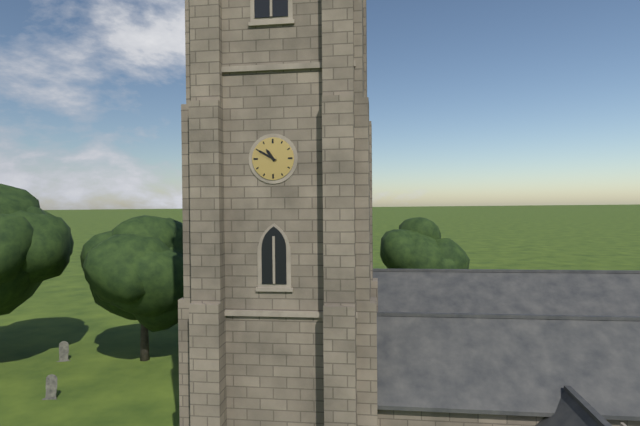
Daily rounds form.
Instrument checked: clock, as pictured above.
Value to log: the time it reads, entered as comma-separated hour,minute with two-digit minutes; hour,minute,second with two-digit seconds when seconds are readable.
10,50
